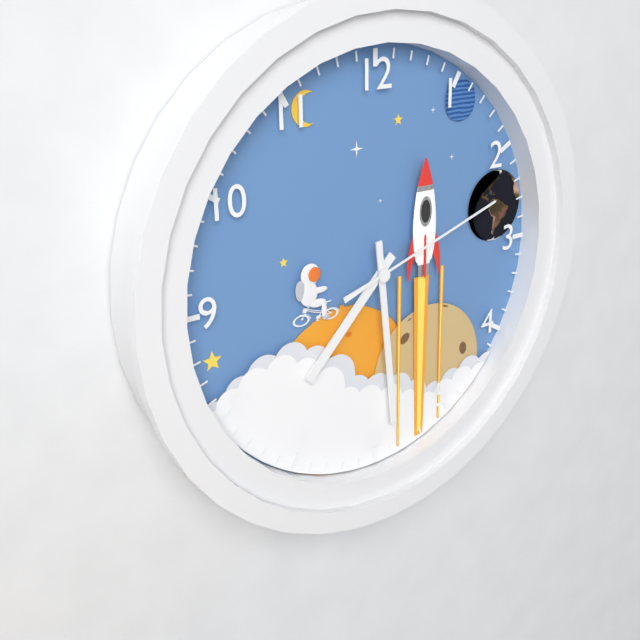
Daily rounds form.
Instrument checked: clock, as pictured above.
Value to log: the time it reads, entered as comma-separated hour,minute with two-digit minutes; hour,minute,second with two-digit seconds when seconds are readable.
7,29,12
